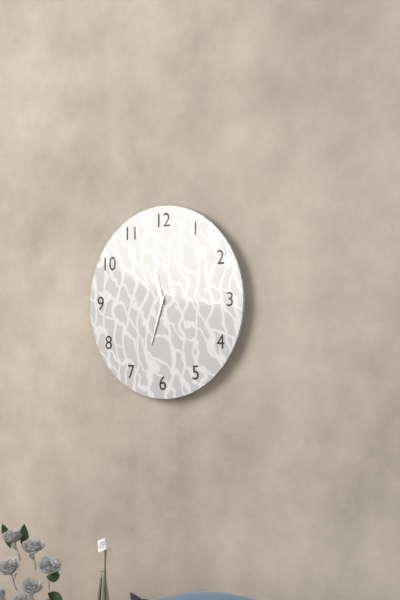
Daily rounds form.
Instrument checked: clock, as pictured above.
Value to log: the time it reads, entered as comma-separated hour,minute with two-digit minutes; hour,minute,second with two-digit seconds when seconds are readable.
11,33
